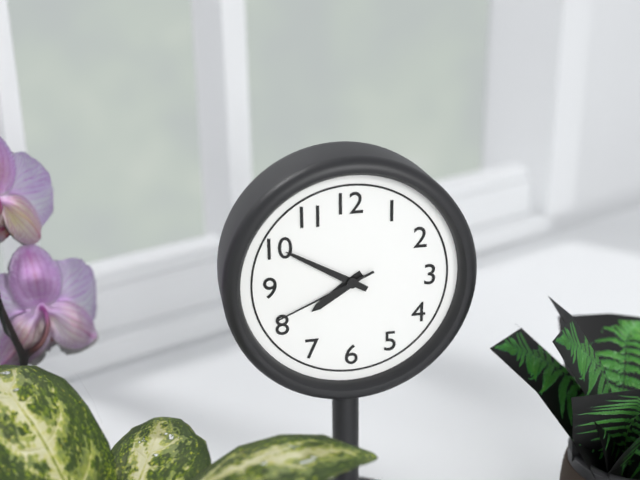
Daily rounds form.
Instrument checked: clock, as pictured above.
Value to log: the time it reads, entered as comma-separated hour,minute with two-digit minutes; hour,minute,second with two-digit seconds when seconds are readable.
7,50,41
